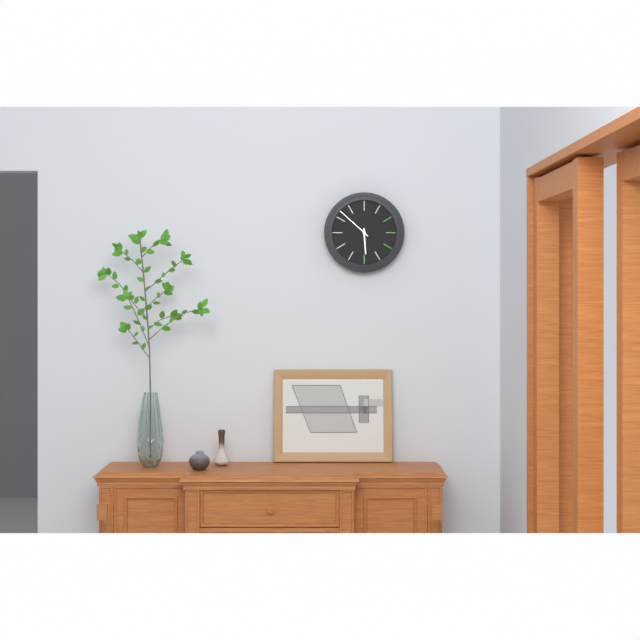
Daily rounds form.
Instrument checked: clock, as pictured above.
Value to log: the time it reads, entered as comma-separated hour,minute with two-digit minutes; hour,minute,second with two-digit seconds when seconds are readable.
5,52
